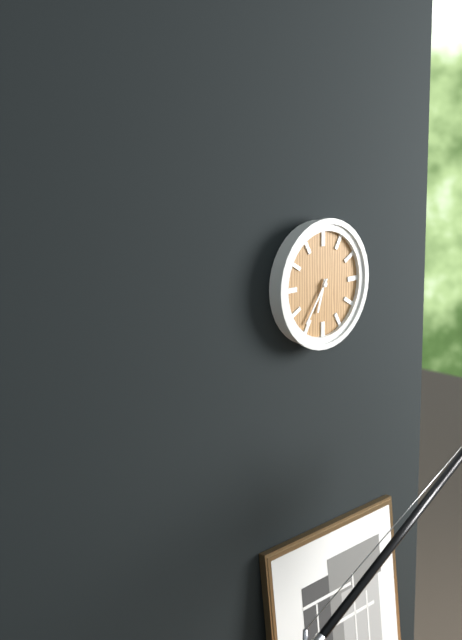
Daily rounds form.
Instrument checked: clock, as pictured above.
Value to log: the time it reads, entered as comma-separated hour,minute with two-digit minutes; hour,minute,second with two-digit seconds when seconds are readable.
6,36
